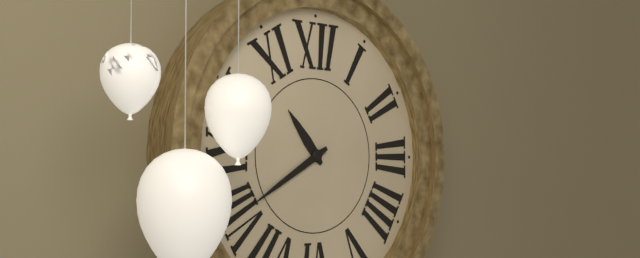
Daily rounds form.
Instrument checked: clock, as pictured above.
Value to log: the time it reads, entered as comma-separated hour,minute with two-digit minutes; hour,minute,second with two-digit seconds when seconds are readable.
10,40
